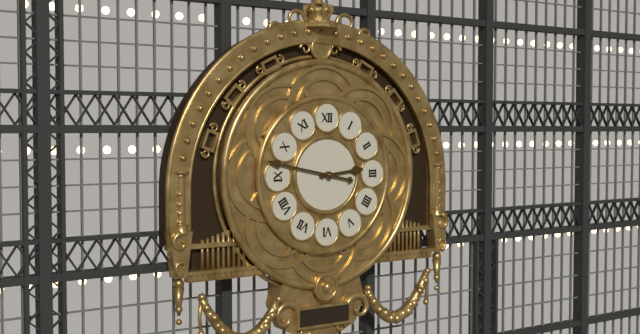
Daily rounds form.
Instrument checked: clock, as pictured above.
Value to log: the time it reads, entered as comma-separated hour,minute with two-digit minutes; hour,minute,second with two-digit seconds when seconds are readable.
2,47
